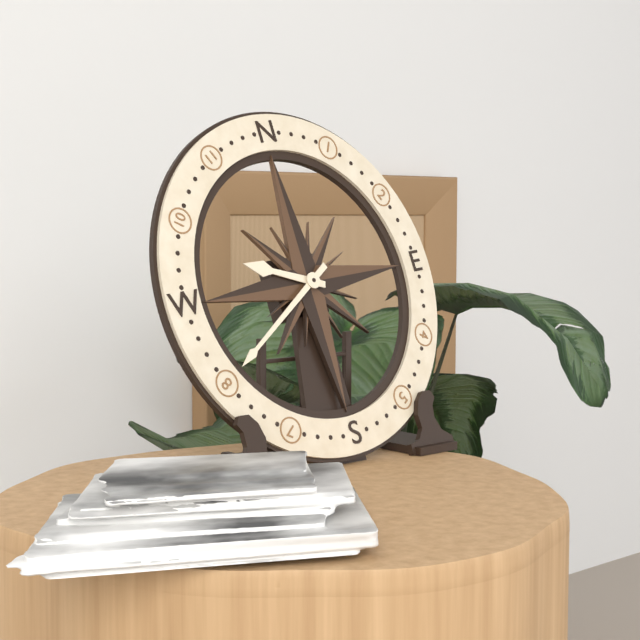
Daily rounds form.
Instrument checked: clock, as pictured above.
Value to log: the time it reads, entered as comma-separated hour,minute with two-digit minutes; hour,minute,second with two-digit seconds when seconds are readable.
9,40
